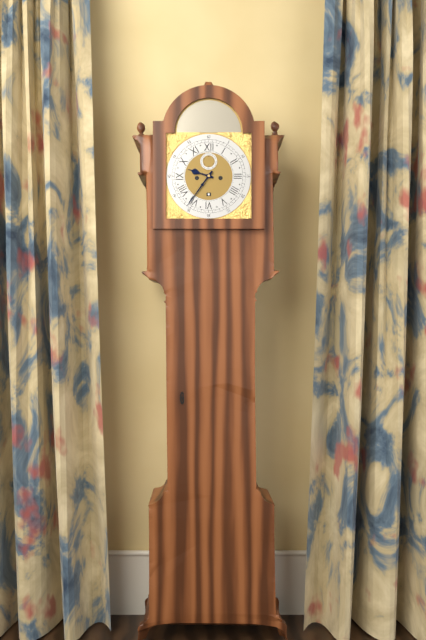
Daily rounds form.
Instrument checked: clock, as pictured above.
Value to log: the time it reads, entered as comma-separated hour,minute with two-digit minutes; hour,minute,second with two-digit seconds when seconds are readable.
9,36
